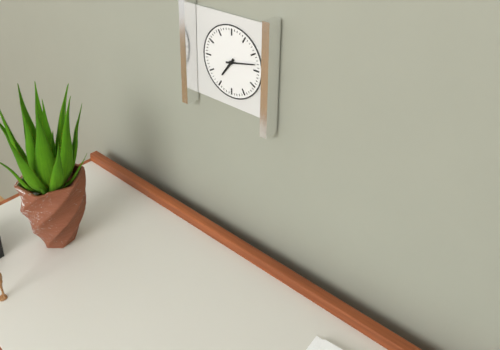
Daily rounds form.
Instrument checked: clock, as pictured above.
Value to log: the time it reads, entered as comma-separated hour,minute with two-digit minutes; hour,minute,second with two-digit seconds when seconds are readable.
7,13
